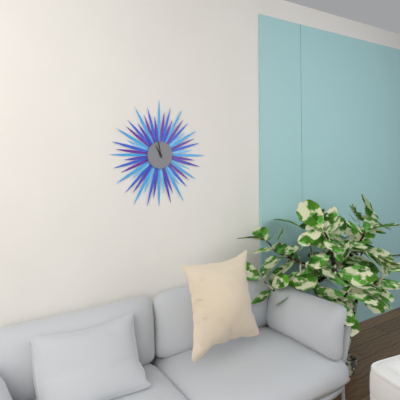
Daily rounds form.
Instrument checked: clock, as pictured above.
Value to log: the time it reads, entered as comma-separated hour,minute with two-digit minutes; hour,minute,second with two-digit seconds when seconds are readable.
10,58
